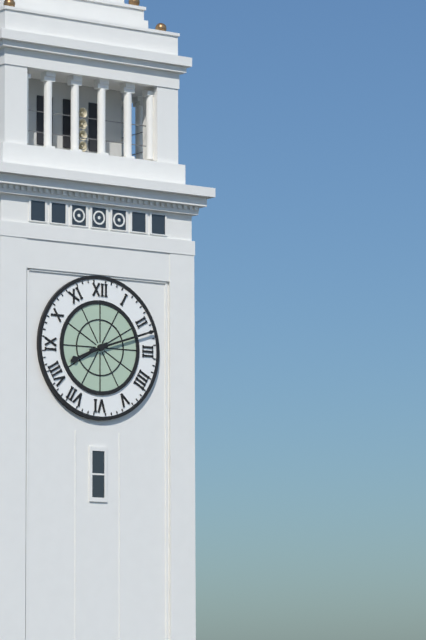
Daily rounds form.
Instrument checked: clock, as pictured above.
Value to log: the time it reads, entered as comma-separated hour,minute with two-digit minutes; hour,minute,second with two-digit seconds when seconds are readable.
8,12
